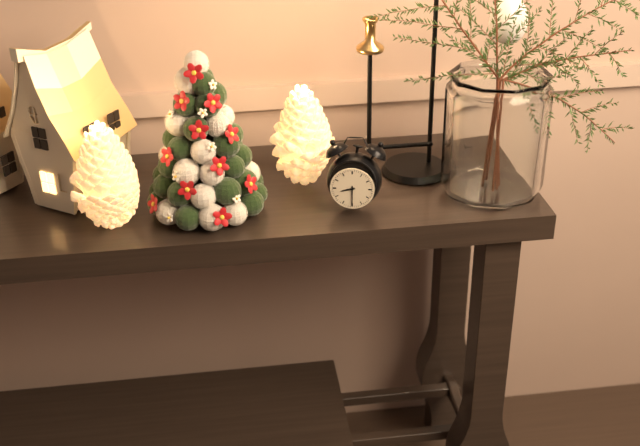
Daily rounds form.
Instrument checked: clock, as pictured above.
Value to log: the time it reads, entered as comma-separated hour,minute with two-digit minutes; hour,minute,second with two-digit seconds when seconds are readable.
8,30
